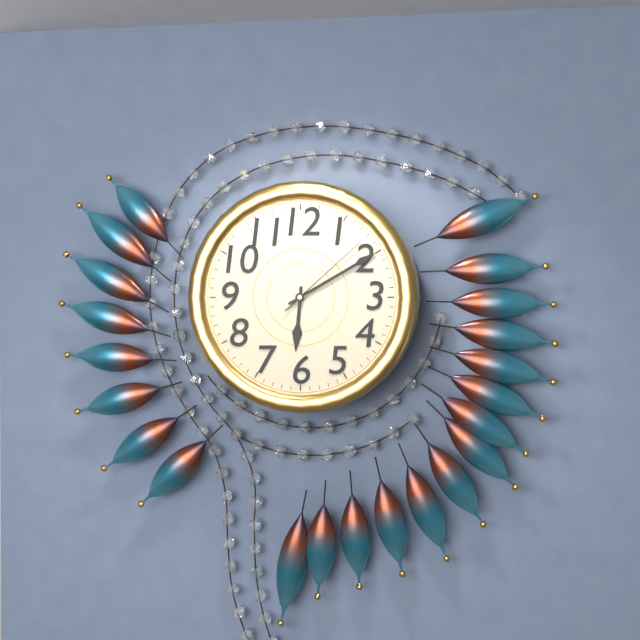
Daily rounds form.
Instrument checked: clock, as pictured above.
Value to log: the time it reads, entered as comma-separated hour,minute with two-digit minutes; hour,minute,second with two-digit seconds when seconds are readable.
6,10,08
